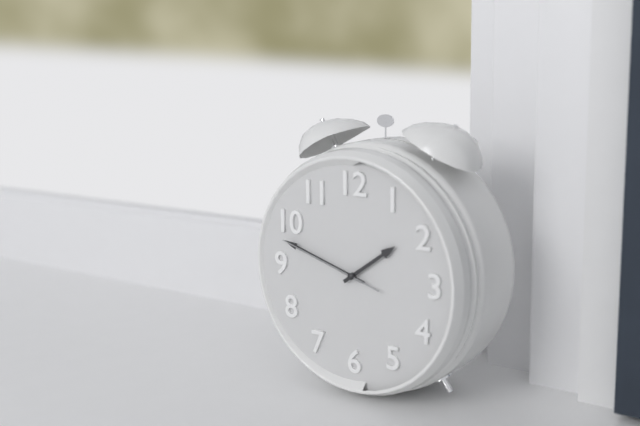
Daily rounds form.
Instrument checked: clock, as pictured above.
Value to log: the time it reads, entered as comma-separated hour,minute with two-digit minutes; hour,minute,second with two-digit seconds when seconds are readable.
1,48,48
